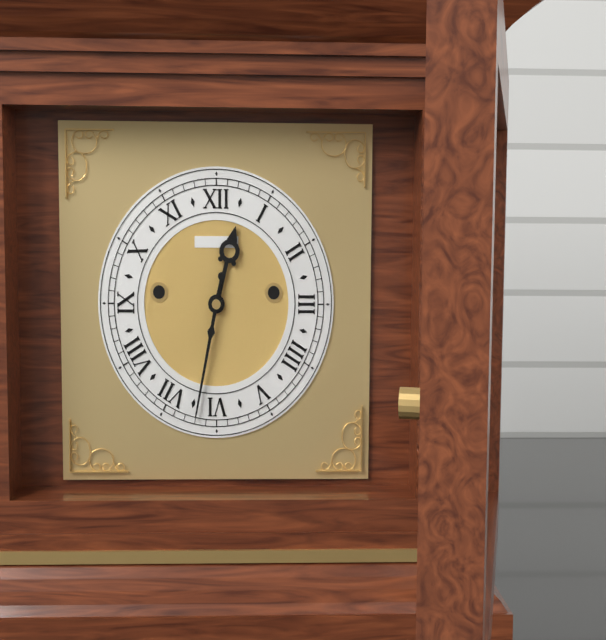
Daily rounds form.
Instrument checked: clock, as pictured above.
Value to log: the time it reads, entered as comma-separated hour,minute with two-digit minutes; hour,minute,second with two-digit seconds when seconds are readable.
12,32
